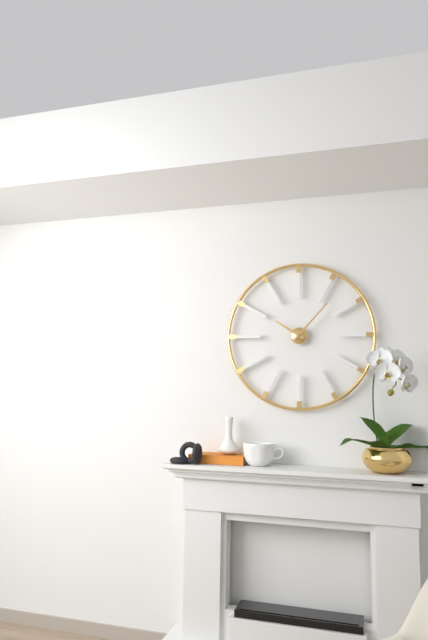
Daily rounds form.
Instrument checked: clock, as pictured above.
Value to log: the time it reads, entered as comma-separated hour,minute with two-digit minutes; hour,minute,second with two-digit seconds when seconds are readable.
10,07
